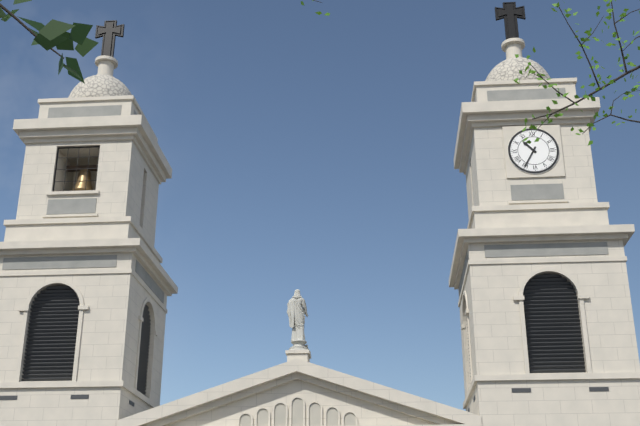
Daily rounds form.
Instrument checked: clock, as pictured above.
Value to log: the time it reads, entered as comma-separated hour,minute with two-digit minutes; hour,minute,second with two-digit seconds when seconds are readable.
10,35
